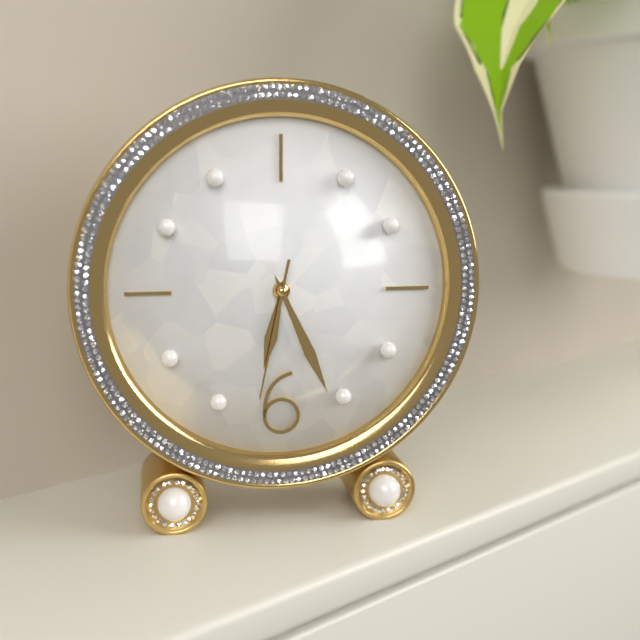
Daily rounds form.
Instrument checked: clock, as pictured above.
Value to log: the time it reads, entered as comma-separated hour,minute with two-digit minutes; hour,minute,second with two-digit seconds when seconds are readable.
6,26,32
